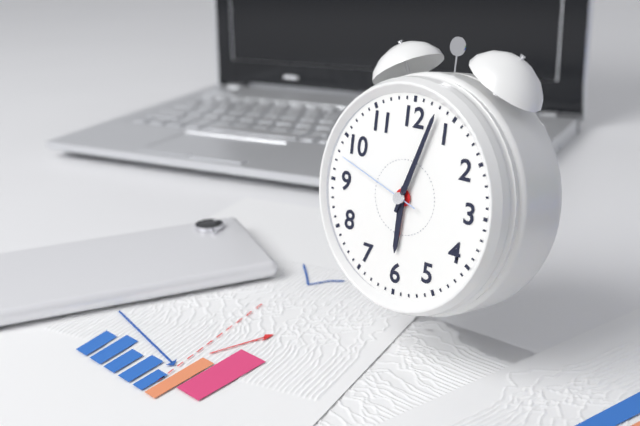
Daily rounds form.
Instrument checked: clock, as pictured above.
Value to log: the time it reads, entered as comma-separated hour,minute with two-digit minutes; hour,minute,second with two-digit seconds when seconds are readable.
6,03,48
